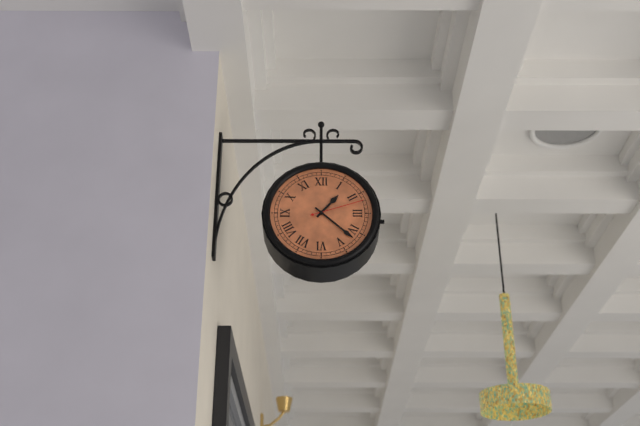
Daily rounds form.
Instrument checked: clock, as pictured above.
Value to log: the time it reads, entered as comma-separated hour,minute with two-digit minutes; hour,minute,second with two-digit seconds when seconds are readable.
1,22,12
